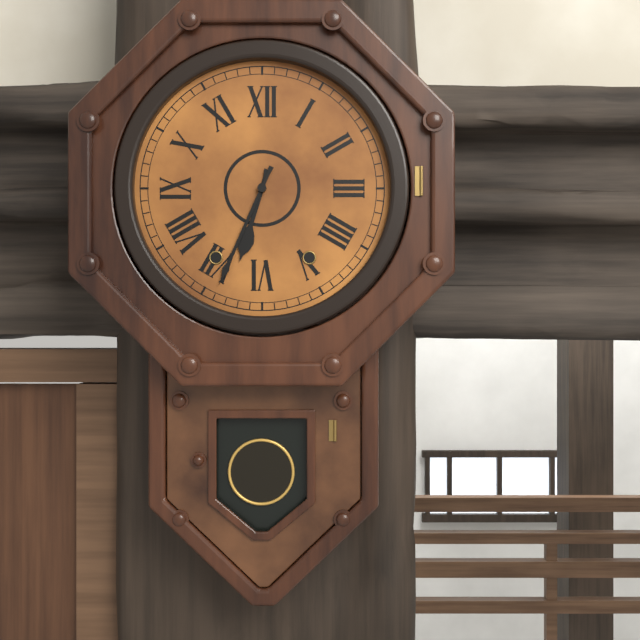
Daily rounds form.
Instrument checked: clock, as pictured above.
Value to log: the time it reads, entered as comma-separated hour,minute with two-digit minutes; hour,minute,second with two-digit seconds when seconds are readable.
6,34
